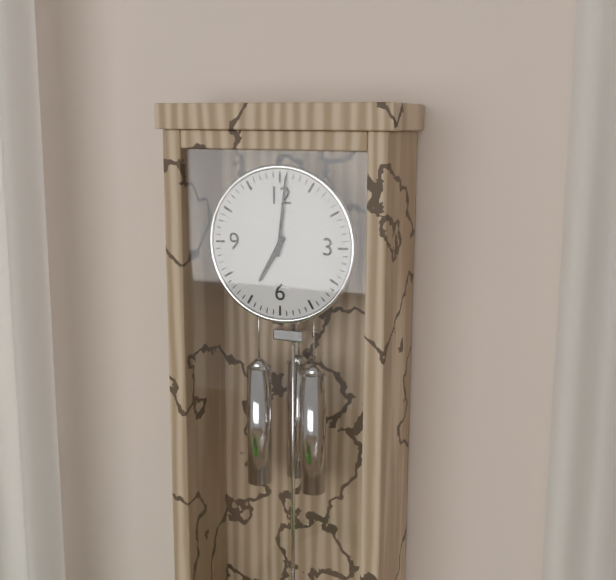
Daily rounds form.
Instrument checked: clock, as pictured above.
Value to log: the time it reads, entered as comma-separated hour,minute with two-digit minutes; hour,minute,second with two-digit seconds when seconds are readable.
7,01
